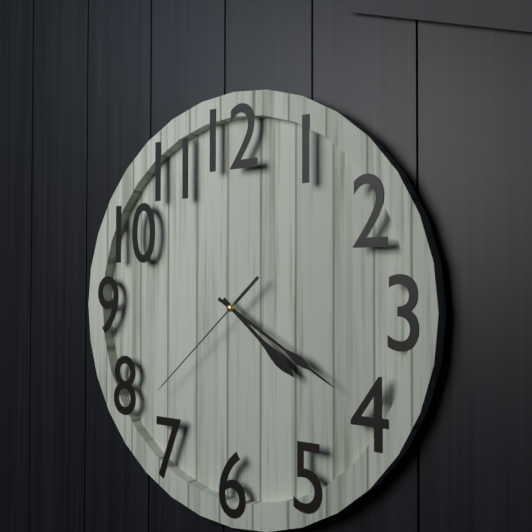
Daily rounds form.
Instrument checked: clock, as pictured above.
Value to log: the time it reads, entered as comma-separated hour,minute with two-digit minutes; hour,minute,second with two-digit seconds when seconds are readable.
4,20,38
